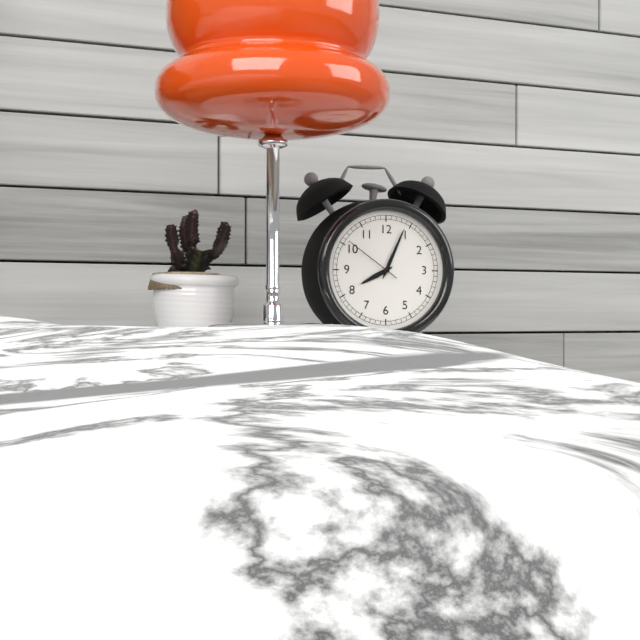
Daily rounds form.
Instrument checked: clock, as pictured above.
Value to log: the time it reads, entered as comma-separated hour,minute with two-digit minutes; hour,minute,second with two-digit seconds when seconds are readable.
8,04,51
